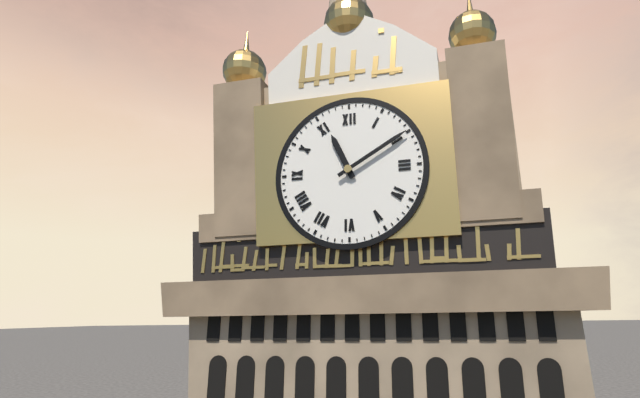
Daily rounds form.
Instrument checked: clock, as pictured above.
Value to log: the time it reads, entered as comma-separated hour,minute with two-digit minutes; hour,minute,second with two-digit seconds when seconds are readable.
11,10
